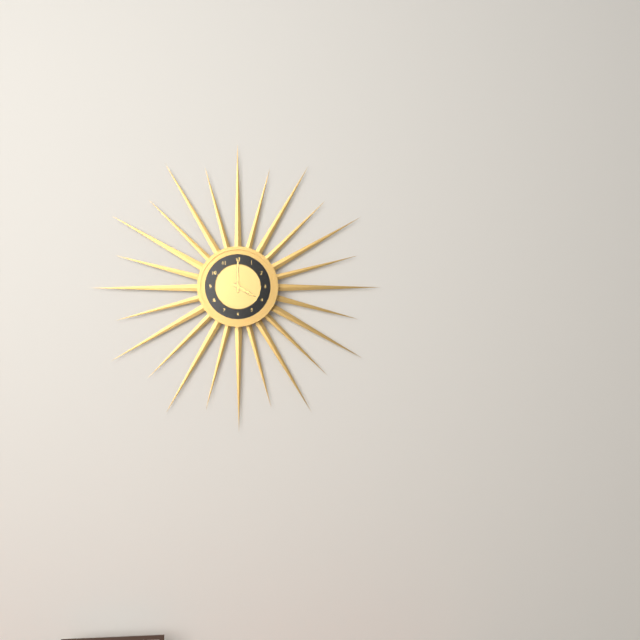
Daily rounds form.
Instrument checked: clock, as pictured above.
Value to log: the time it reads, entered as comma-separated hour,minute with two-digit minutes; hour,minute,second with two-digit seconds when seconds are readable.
4,00
